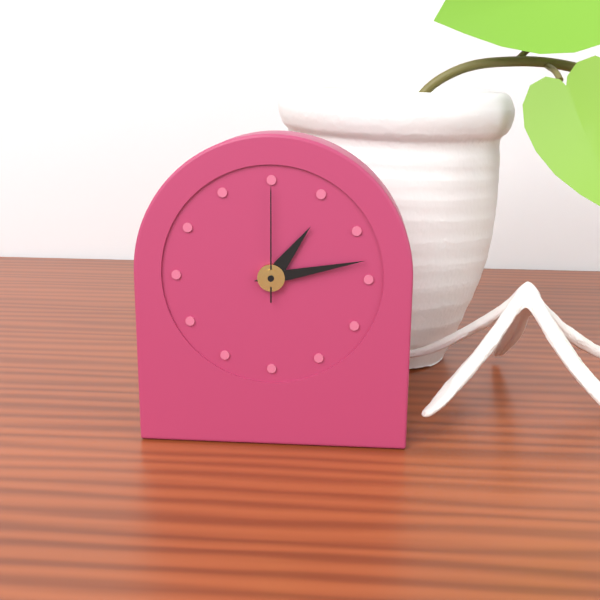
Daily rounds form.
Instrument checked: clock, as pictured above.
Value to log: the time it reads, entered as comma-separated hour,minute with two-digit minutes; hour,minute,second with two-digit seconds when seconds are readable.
1,13,00
